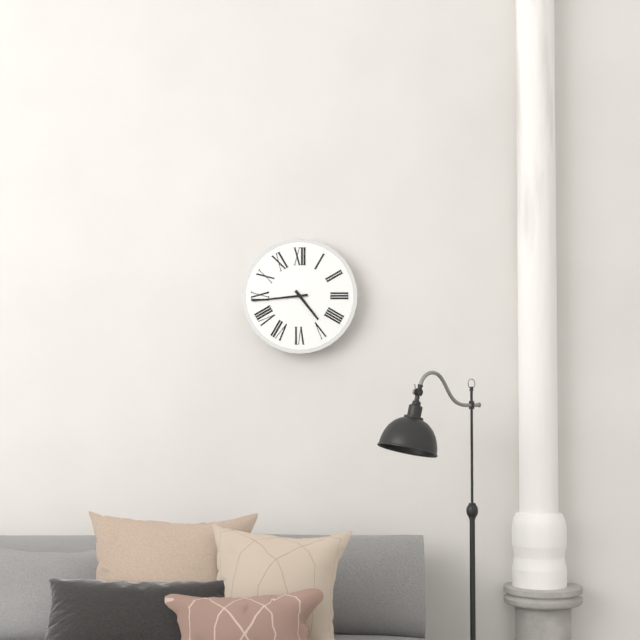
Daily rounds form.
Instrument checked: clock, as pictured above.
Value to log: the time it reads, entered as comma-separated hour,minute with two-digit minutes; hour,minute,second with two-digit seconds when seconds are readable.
4,44
